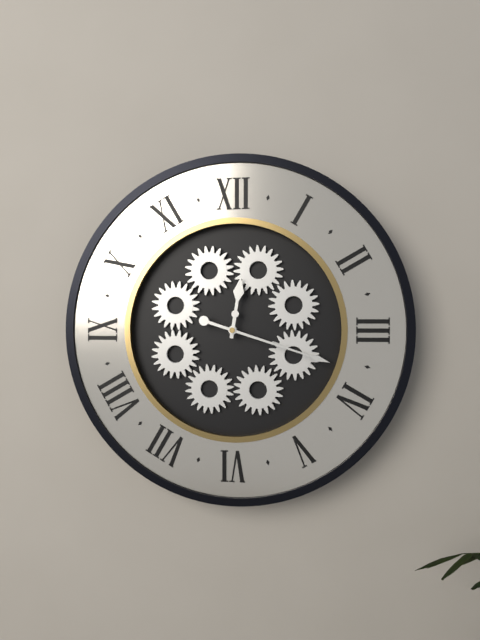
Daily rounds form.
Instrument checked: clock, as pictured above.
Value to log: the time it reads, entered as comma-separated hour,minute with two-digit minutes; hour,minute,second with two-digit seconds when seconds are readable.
12,18
